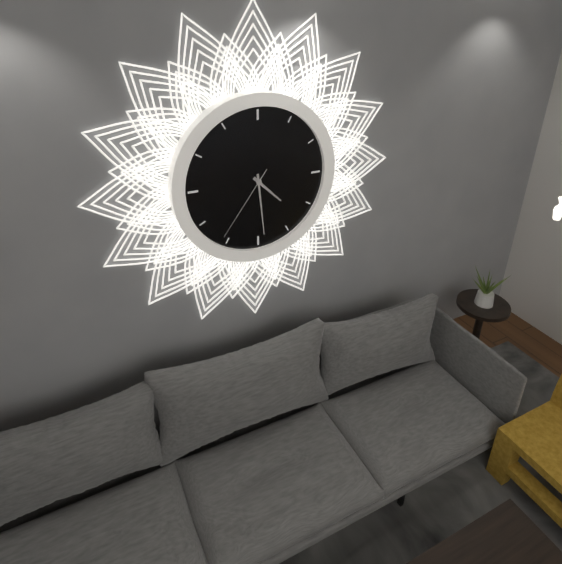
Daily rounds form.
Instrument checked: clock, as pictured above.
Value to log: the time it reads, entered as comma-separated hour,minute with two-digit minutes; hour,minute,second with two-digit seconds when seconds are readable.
4,29,36
